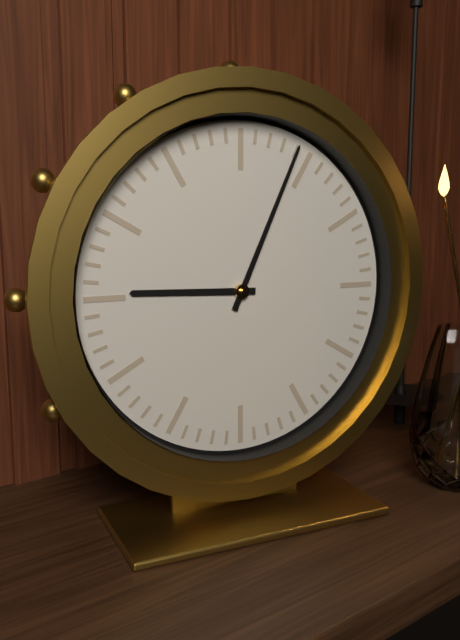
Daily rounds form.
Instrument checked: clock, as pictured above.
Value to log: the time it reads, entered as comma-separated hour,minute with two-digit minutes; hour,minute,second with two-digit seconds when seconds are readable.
9,04
